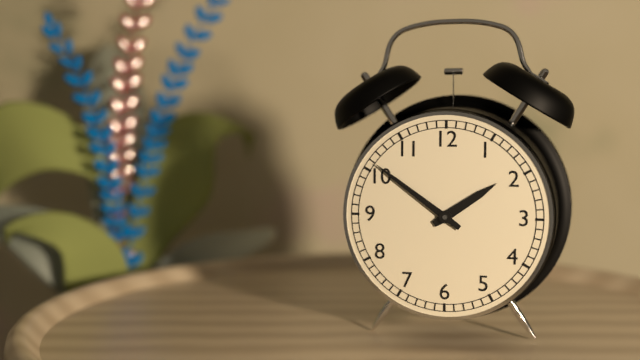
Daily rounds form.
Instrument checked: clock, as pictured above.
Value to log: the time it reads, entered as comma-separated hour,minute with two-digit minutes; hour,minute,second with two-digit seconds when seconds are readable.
1,51
